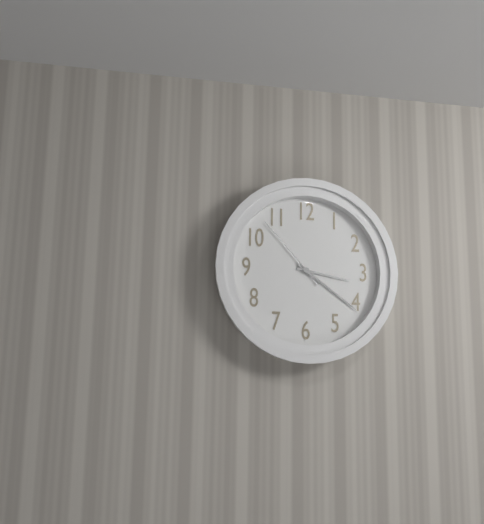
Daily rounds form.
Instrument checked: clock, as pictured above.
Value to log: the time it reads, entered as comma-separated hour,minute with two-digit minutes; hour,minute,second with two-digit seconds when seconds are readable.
3,21,53
